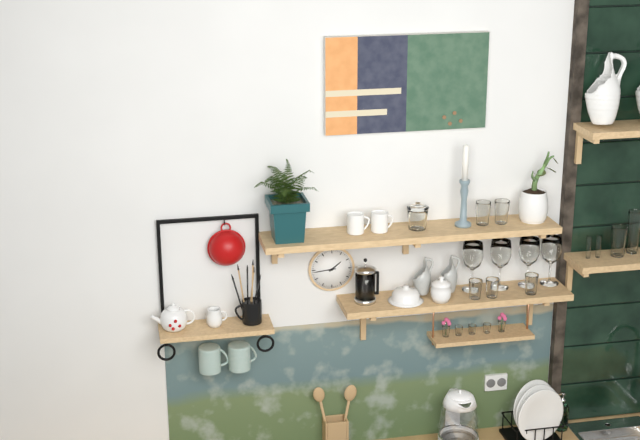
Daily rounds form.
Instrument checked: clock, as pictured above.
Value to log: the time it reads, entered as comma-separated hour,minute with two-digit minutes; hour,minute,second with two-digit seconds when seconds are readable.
1,44
